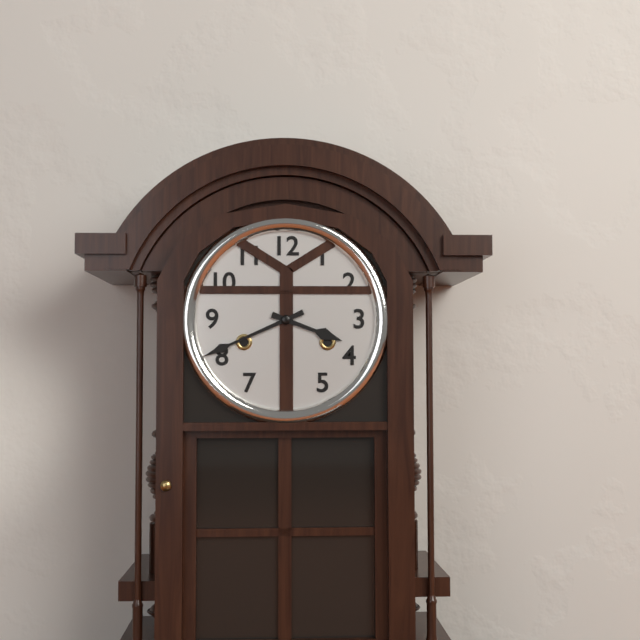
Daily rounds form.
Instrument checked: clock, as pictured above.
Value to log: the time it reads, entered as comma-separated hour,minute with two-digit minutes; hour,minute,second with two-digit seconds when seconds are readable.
3,41
